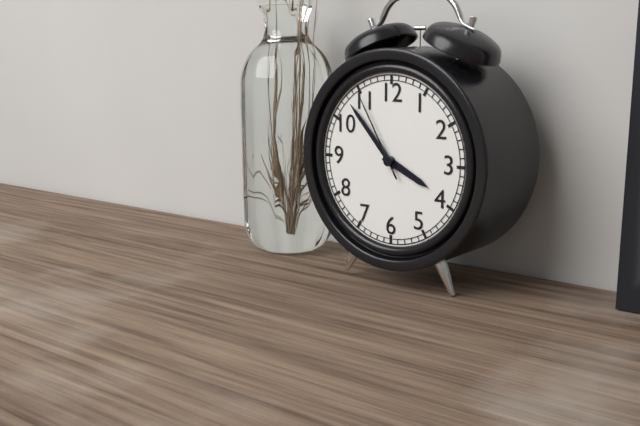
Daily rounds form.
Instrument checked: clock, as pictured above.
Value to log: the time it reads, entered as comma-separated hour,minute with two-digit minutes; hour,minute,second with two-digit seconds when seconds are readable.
3,53,55
